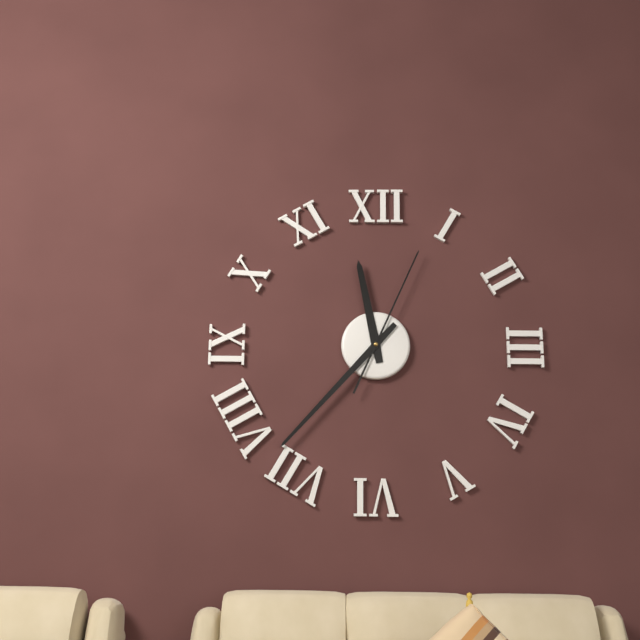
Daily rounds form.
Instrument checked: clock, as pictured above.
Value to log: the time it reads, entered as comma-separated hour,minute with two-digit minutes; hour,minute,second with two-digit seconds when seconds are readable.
11,37,04
